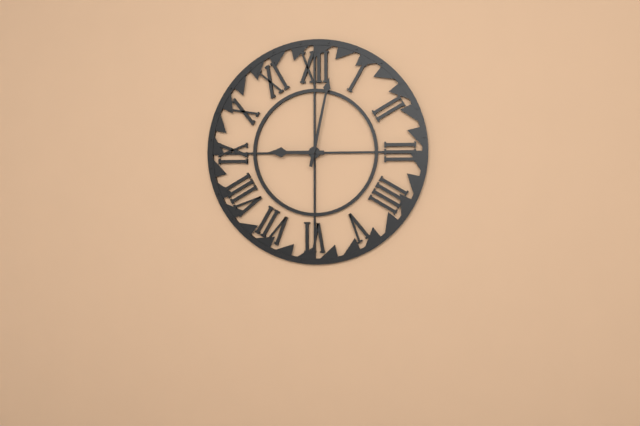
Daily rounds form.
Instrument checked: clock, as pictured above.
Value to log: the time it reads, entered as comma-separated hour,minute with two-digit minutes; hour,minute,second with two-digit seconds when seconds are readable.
9,02
